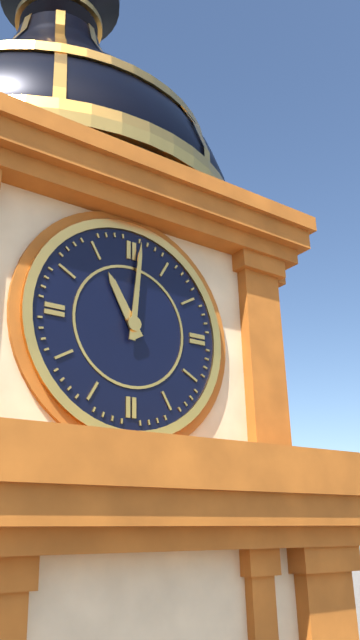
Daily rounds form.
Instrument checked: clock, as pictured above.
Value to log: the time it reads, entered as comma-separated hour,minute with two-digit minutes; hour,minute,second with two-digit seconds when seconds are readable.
11,01
